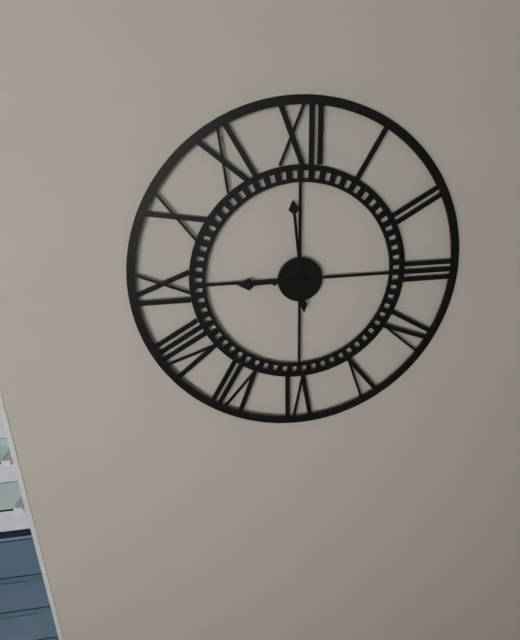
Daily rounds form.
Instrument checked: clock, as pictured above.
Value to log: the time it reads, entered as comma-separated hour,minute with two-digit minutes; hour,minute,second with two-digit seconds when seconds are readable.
8,59
